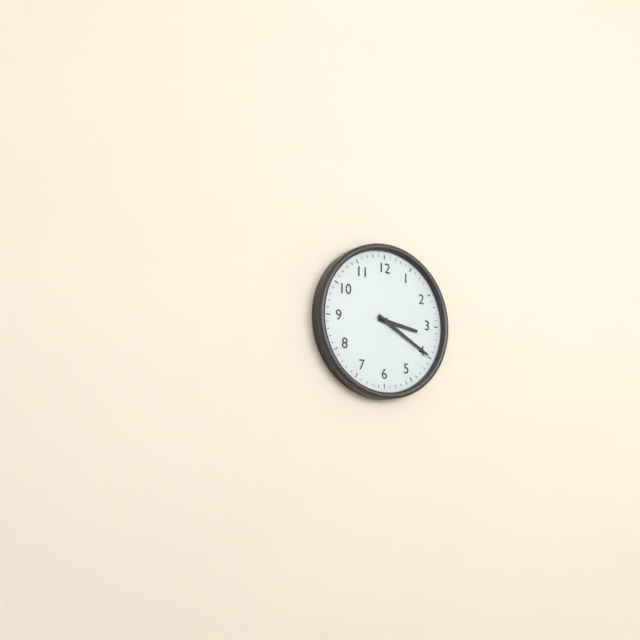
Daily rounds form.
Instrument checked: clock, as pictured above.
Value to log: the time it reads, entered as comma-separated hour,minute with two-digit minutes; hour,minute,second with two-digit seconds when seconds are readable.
3,20
